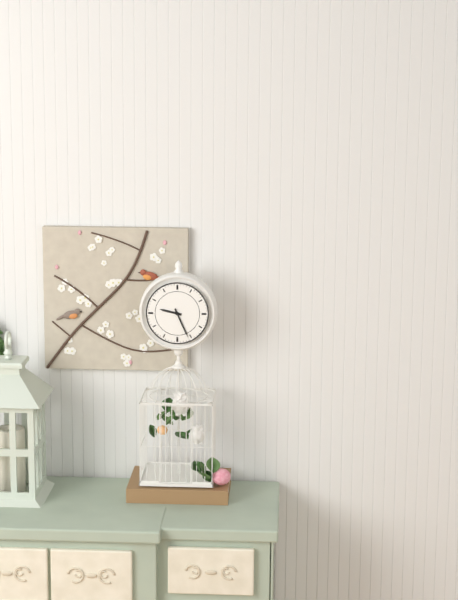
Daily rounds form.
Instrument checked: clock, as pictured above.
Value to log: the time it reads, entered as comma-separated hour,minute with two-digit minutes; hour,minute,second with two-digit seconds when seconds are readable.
9,26
